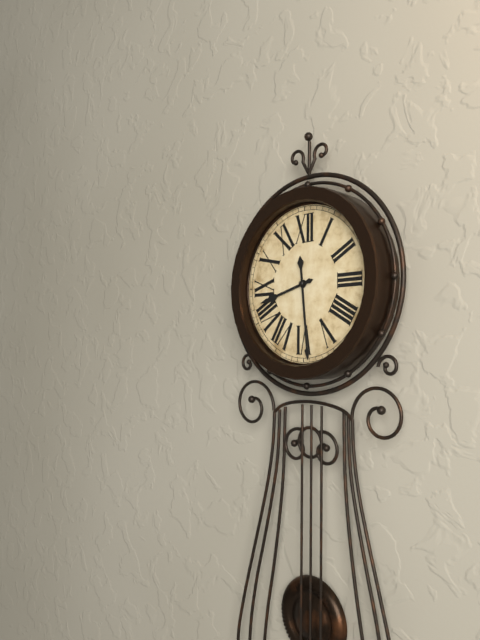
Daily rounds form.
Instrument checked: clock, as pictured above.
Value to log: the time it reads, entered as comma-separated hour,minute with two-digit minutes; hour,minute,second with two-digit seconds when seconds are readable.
8,29
